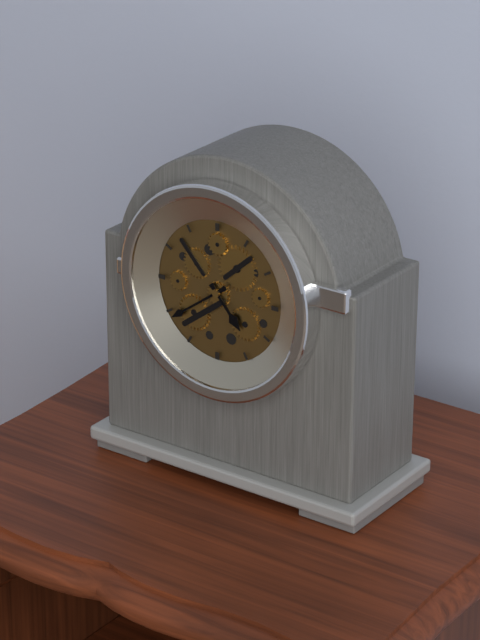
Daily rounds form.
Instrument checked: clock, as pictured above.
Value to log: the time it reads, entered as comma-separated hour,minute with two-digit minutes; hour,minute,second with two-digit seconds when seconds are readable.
4,39
